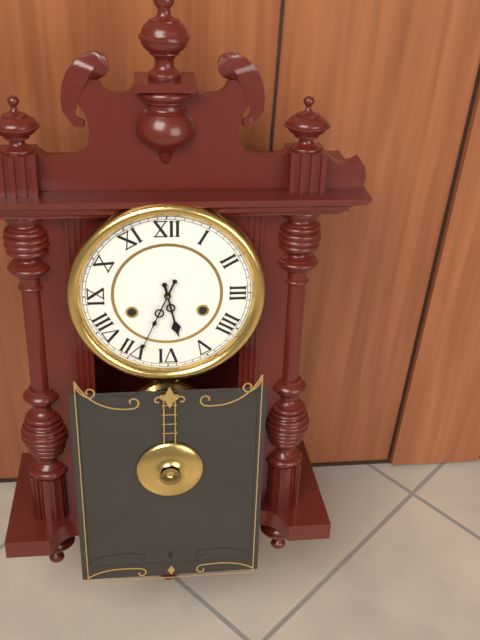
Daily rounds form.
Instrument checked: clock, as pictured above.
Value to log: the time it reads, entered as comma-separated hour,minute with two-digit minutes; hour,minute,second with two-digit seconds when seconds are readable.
5,34
